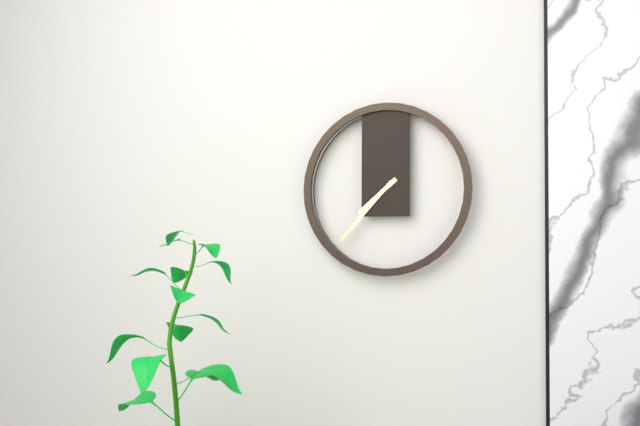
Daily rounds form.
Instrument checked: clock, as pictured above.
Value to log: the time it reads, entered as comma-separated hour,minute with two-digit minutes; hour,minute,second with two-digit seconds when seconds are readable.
7,37
